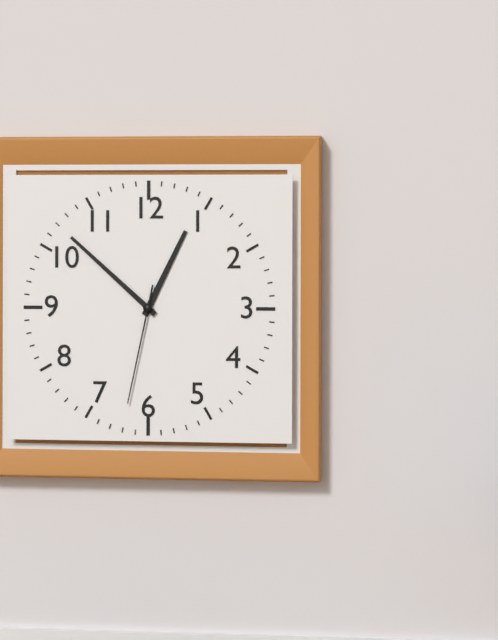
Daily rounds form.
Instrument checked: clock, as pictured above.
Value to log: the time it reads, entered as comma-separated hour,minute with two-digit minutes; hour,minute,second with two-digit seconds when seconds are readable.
12,52,32
